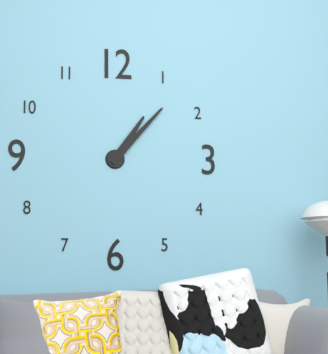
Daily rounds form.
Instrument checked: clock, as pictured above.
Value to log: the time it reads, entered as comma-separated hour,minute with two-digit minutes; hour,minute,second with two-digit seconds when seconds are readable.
1,07
